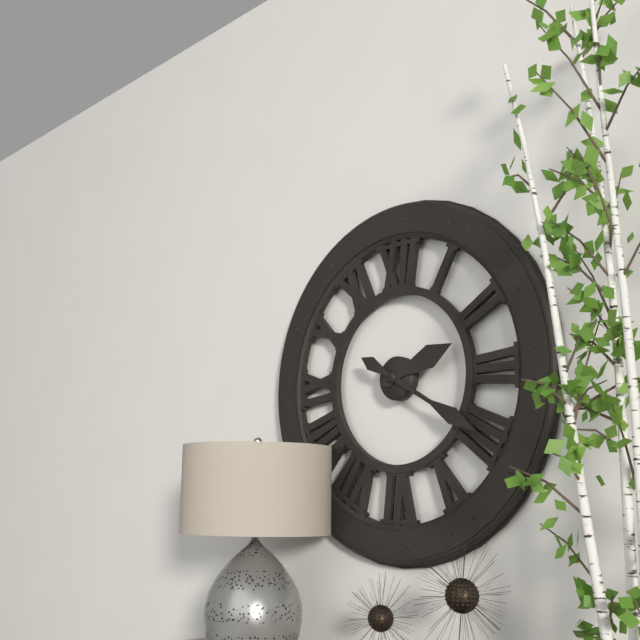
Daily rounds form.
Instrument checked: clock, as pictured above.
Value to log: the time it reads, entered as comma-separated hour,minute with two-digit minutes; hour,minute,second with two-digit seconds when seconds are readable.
2,20
